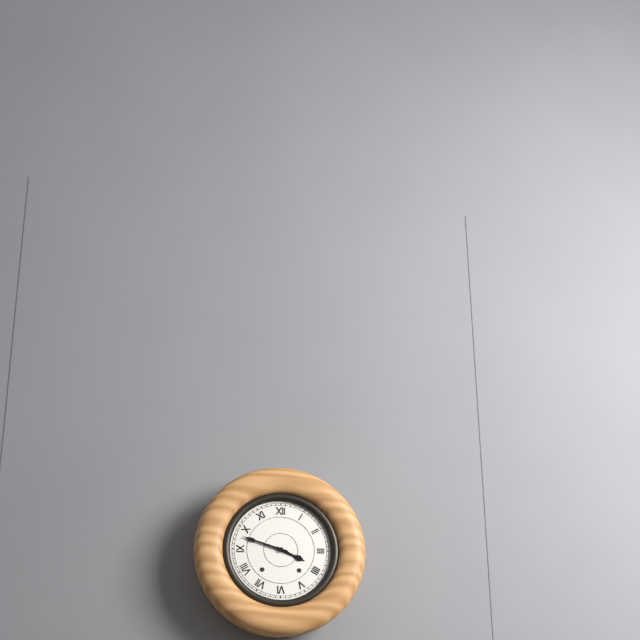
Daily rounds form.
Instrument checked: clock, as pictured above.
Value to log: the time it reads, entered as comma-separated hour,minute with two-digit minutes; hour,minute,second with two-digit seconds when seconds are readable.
3,48
